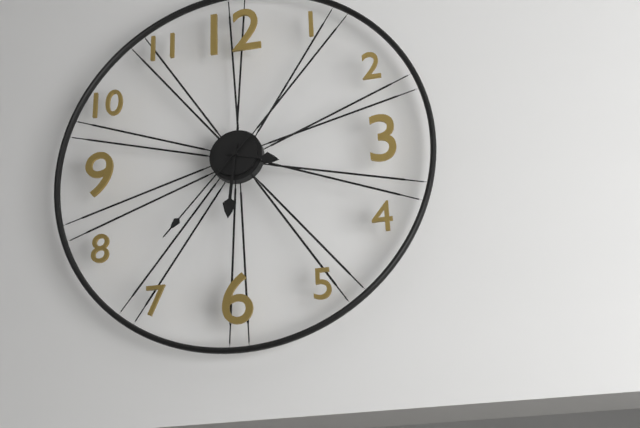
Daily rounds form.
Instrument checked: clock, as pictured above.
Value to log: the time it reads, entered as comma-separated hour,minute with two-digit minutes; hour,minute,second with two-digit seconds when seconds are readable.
3,31,37
